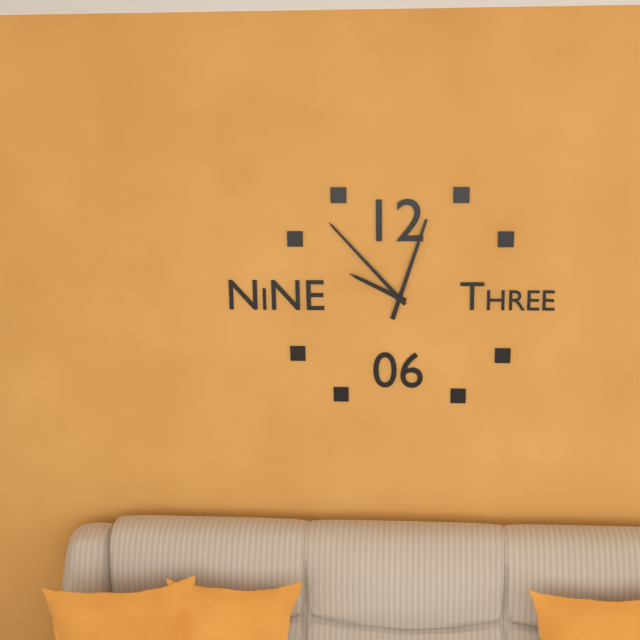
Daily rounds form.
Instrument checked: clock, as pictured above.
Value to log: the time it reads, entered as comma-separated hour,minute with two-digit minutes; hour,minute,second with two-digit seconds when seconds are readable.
9,53,03
